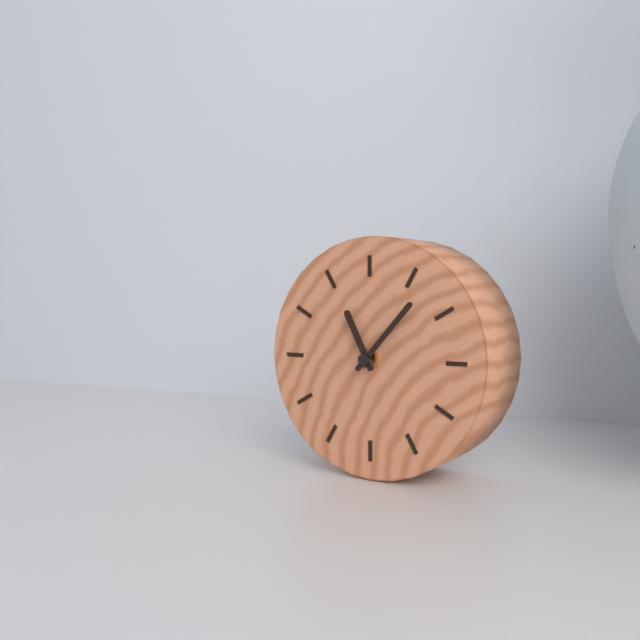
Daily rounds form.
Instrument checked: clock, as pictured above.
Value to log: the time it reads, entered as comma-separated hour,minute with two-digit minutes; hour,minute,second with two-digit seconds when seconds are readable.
11,07
